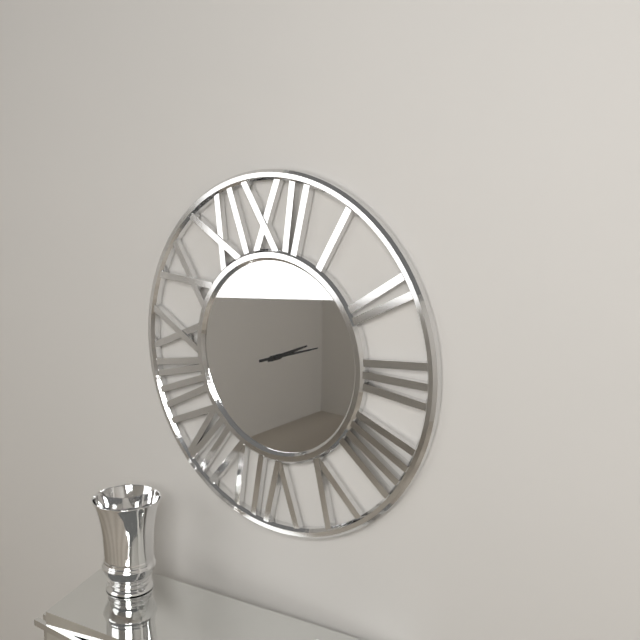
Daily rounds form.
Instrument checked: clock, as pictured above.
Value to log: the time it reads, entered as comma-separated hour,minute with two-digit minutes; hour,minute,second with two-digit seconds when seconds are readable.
2,12
